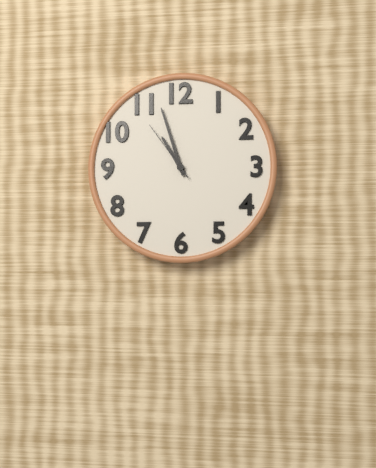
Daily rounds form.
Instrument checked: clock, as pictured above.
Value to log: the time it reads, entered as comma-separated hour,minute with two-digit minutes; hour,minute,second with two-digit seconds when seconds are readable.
10,57,54
